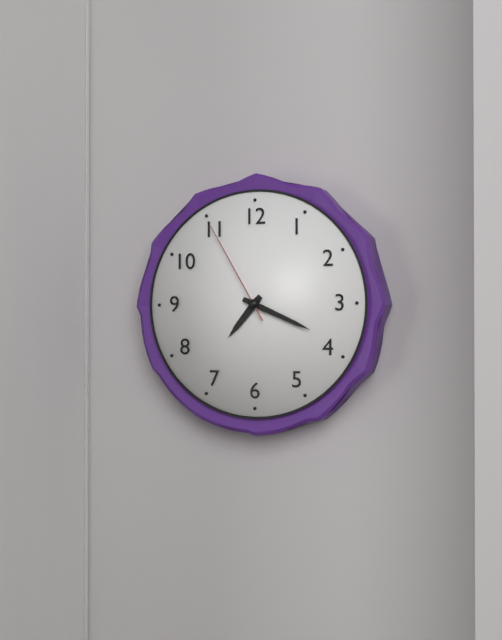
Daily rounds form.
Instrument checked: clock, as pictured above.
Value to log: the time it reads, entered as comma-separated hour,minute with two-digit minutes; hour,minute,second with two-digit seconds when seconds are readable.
7,19,55
